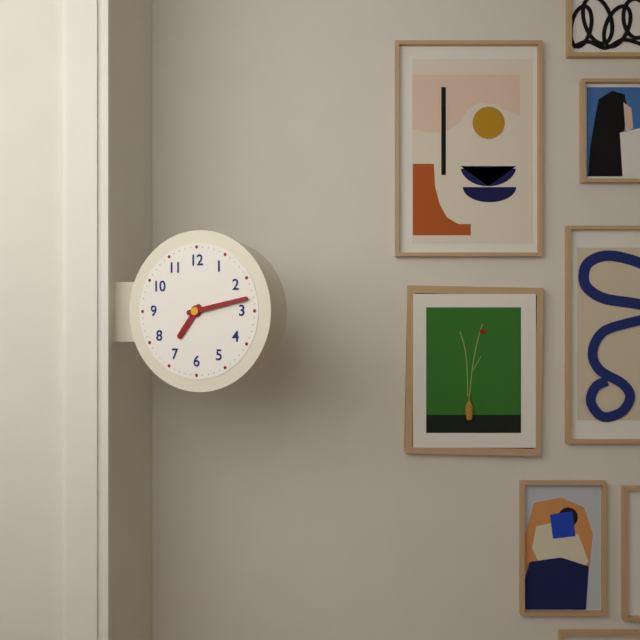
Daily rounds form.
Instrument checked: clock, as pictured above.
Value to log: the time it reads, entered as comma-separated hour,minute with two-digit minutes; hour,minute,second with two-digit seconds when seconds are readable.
7,13
